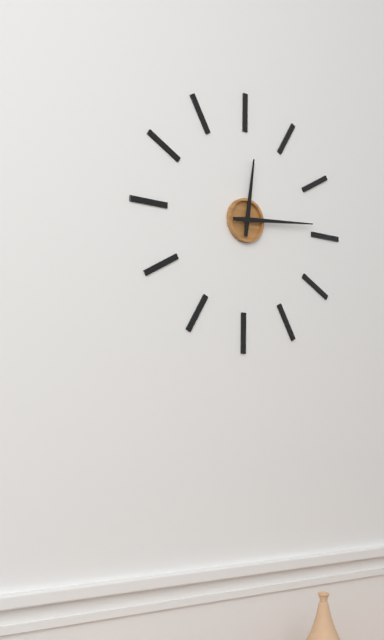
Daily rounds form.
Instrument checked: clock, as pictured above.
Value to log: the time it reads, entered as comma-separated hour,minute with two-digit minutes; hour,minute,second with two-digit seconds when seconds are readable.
12,14
